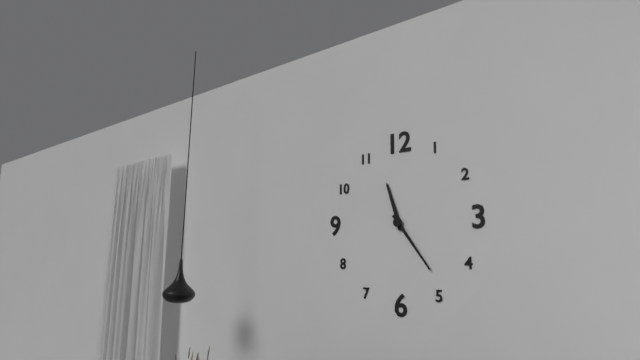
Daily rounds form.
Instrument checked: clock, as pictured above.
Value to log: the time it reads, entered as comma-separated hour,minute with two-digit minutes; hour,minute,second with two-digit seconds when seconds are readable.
11,24
